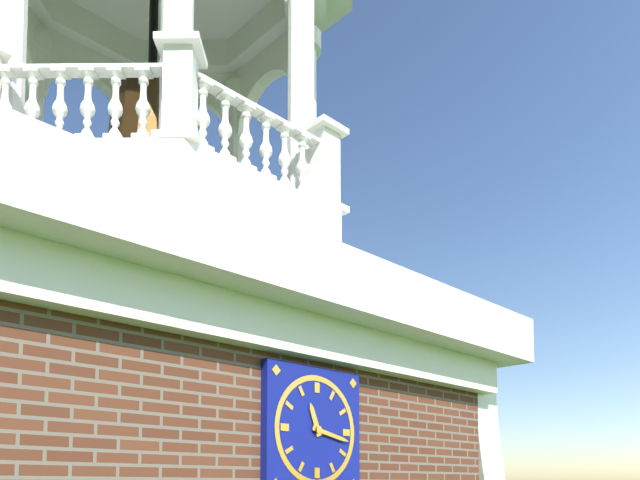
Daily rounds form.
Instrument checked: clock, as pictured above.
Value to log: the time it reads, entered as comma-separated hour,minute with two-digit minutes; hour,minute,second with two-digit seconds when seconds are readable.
11,17
